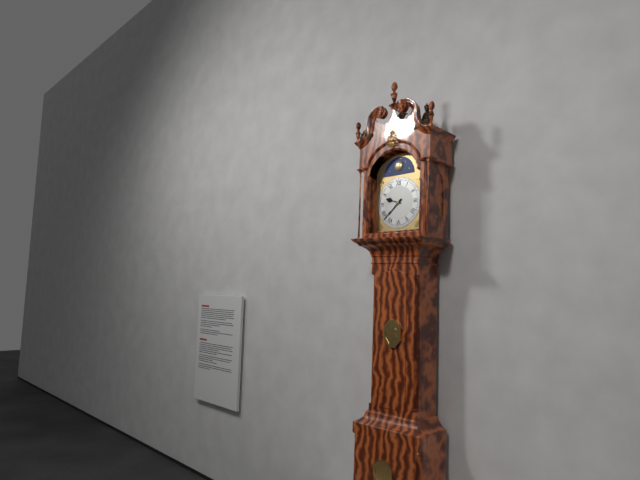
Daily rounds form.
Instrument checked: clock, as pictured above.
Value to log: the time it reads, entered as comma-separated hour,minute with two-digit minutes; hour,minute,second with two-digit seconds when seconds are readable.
9,38
